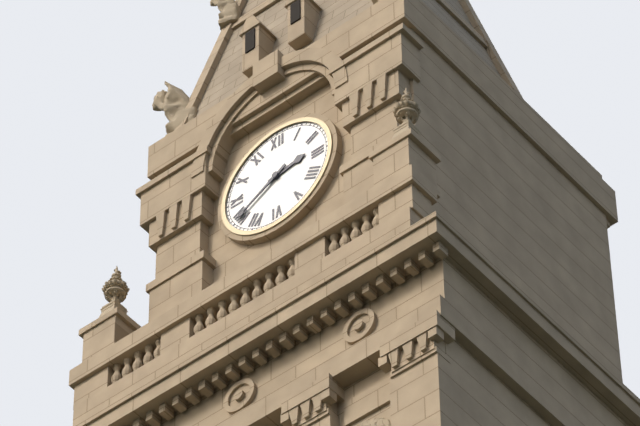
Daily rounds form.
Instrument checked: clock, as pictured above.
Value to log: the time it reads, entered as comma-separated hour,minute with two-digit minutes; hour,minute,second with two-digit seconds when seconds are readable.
2,40
